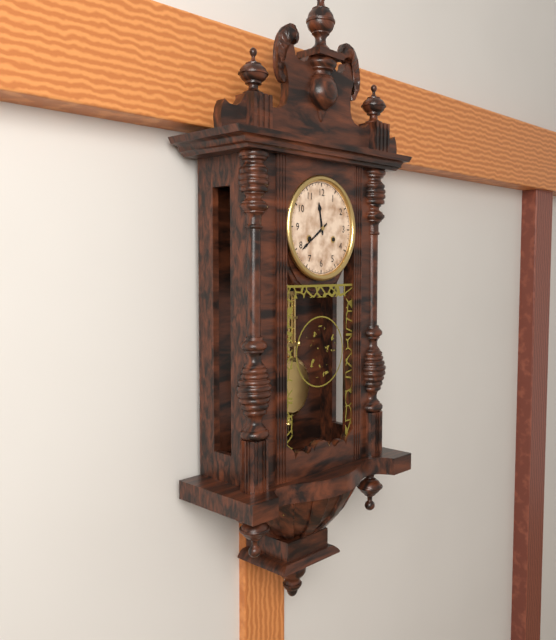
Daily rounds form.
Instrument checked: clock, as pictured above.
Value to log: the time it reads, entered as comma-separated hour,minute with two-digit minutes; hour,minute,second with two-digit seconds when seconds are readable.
11,39
